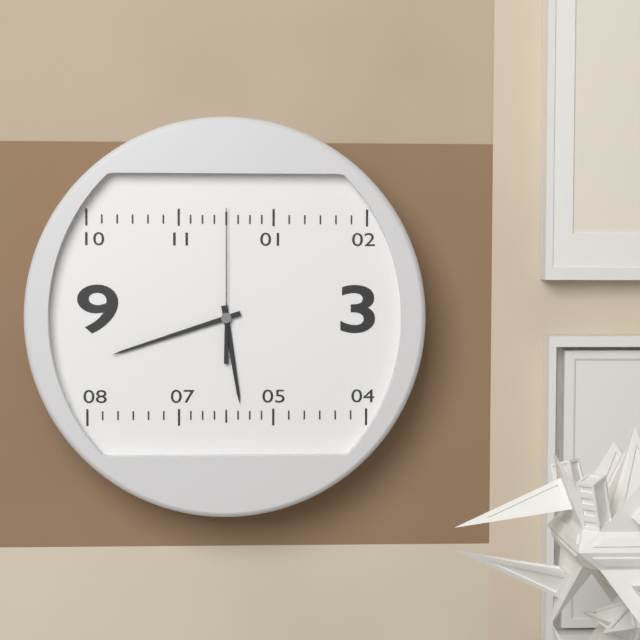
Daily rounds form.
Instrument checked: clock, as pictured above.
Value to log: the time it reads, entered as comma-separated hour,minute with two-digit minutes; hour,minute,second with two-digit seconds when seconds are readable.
5,42,00
